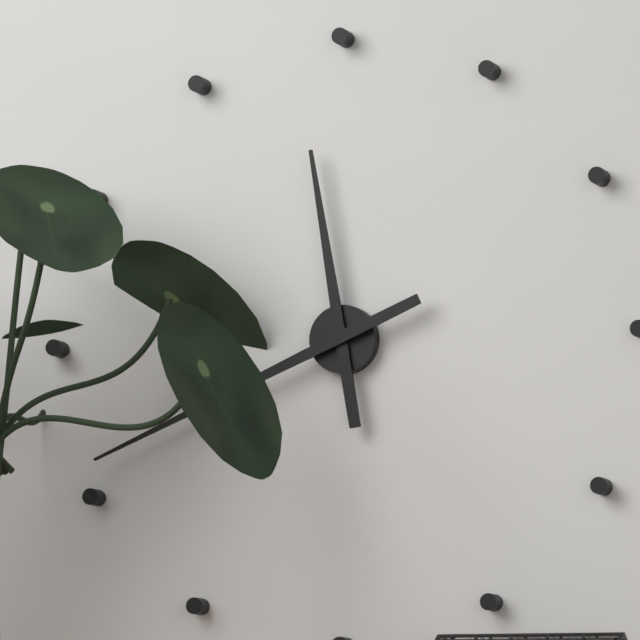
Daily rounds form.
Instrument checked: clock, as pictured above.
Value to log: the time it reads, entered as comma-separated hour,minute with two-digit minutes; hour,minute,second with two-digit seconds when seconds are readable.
11,41
